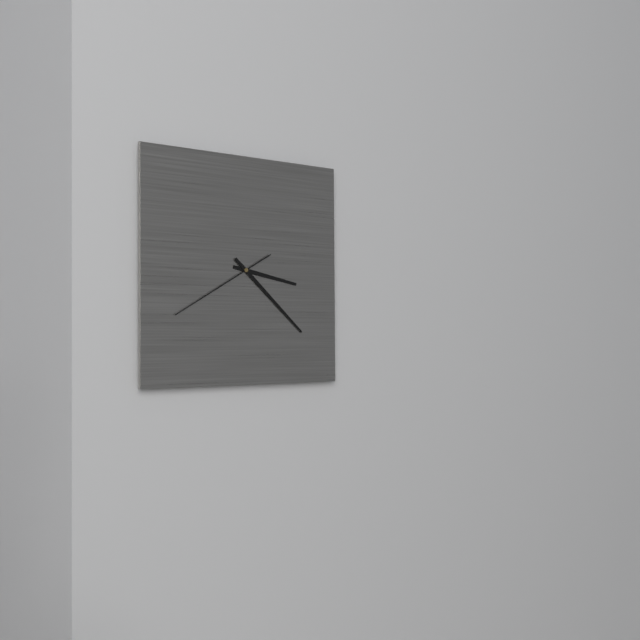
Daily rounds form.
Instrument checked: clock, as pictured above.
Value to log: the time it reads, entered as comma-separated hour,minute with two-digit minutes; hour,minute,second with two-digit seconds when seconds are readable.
3,22,40
